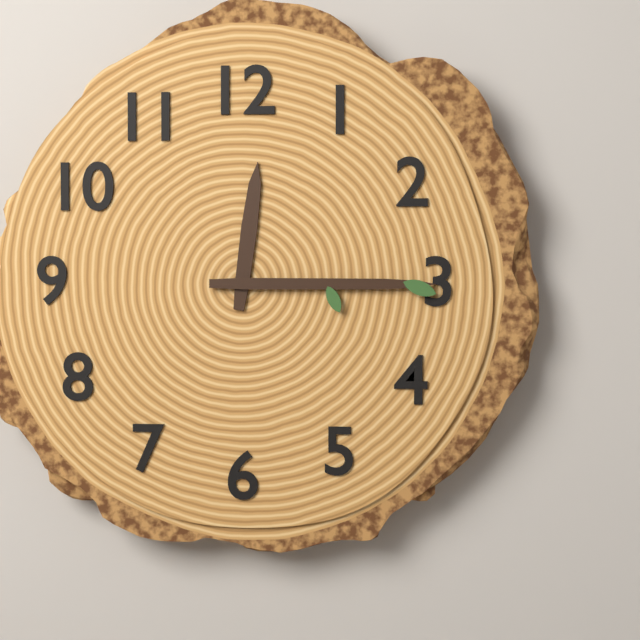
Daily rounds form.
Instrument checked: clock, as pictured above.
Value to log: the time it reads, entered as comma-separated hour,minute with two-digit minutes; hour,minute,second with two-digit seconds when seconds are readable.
12,15
